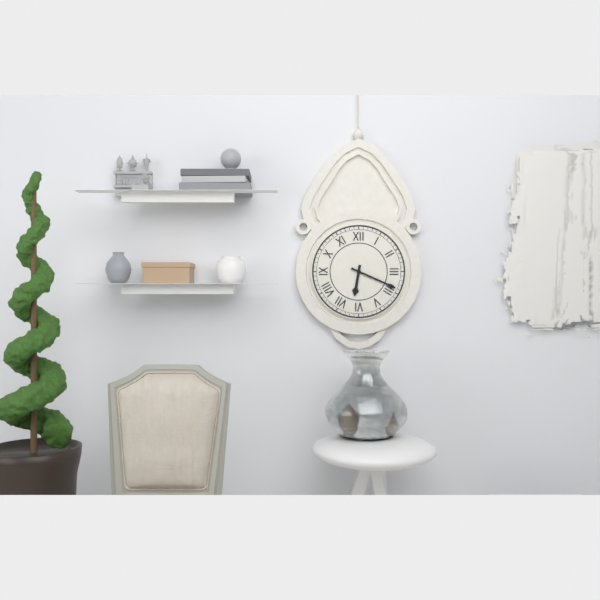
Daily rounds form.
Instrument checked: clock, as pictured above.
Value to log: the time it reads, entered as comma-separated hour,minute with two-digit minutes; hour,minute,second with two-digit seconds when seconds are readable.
6,19
